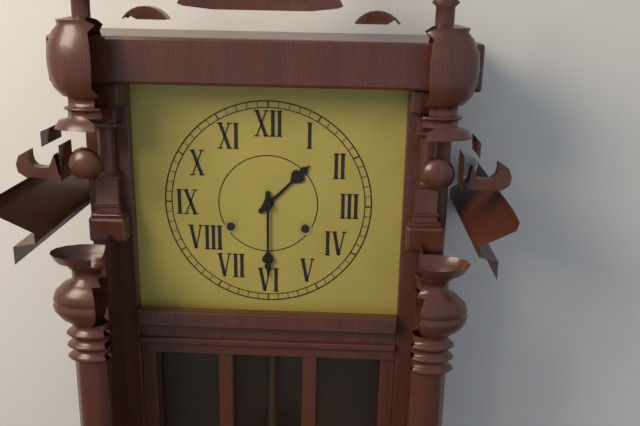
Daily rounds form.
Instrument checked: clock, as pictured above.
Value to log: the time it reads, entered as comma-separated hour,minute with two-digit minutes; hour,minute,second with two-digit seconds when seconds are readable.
1,30
